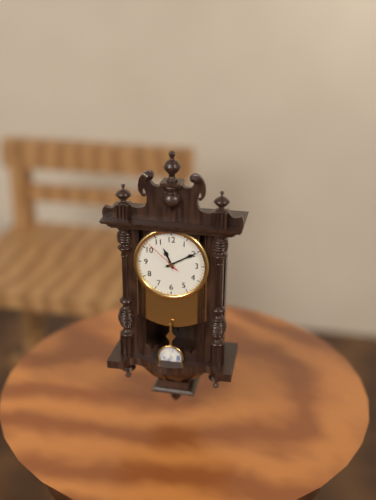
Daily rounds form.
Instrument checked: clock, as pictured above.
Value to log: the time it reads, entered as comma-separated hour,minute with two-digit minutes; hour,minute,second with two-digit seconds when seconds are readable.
11,10
